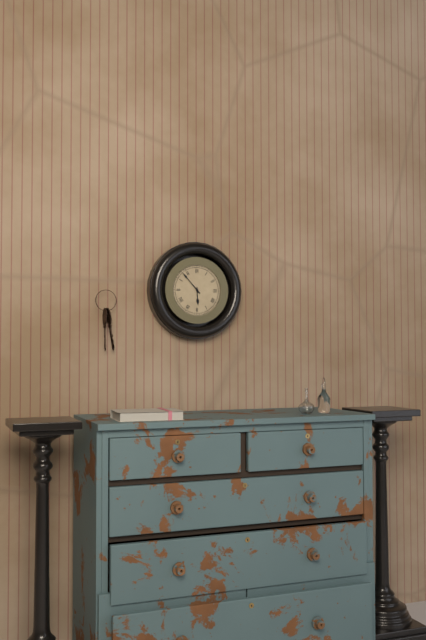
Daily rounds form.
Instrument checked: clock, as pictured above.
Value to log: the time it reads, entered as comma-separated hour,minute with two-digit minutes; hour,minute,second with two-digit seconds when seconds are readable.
5,53
